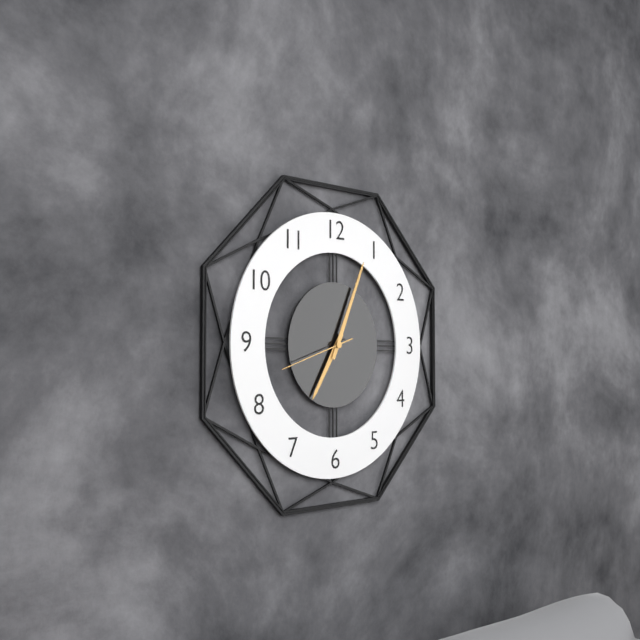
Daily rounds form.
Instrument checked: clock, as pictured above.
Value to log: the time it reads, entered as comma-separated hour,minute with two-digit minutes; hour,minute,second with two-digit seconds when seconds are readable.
7,04,42
